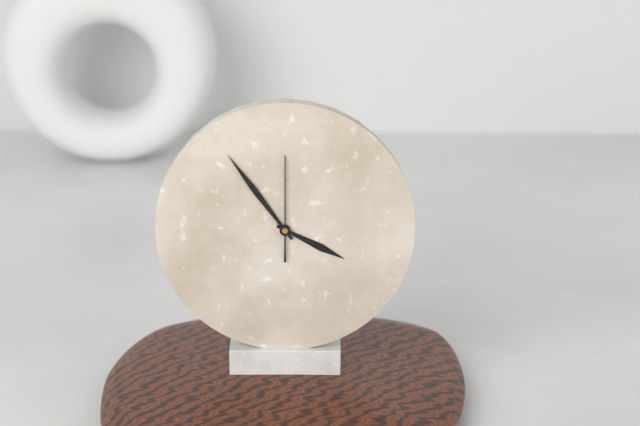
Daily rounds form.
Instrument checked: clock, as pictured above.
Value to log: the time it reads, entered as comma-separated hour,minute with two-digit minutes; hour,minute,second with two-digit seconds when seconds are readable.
3,54,00
